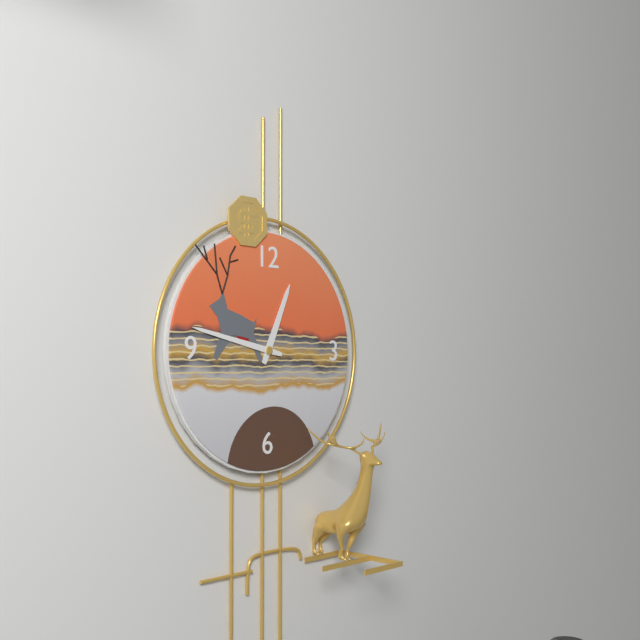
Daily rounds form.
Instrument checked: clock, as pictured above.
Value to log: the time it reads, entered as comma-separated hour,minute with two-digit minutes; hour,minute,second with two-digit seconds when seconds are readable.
12,47
